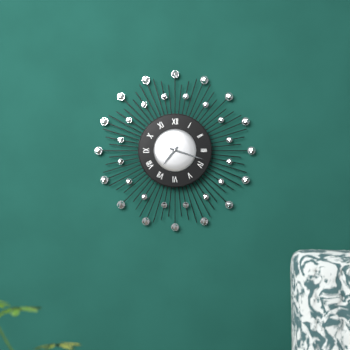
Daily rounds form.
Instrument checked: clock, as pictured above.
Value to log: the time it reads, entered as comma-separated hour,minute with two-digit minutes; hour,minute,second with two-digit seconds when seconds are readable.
7,18
